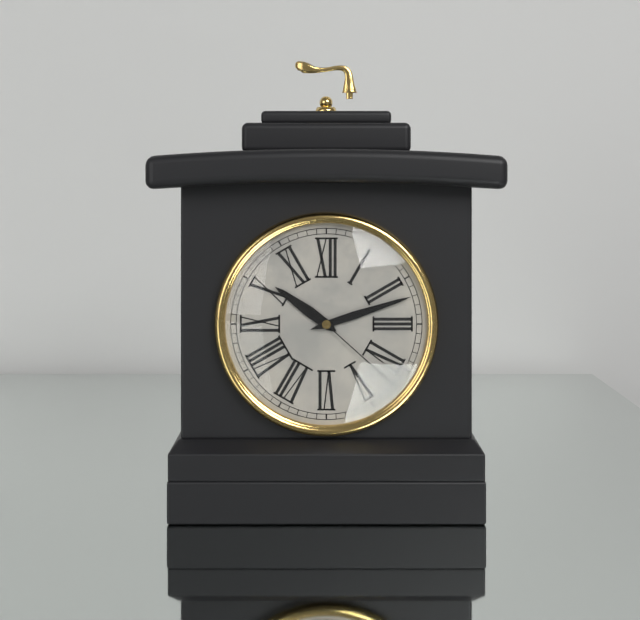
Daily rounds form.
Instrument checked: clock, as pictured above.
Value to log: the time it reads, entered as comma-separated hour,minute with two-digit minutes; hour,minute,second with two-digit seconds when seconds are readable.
10,12,22
